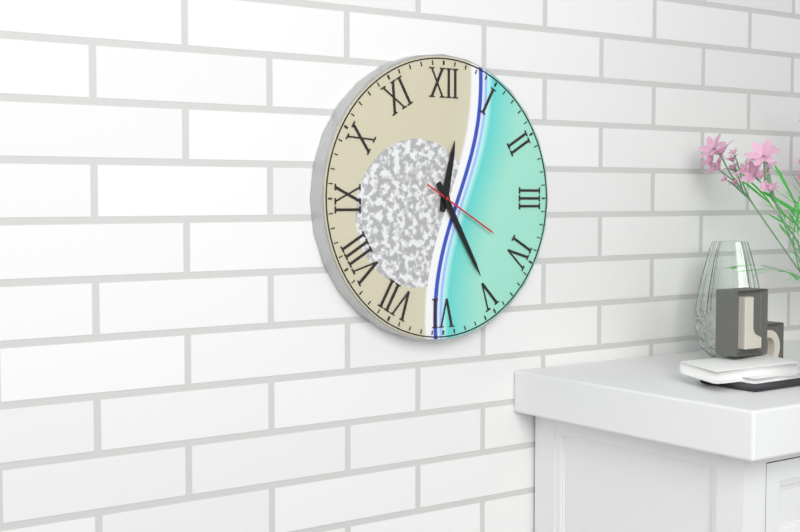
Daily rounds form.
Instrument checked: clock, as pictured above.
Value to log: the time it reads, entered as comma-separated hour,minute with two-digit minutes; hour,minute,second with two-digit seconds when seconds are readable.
12,25,20
